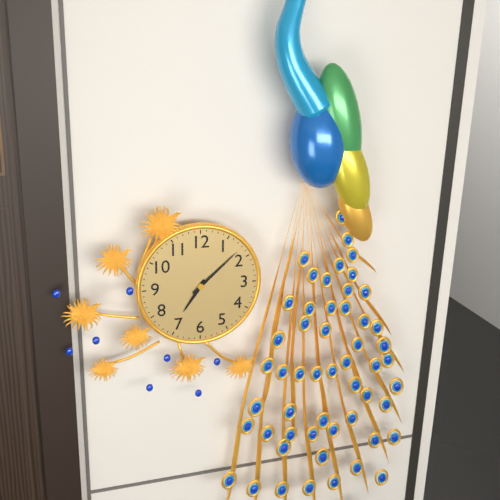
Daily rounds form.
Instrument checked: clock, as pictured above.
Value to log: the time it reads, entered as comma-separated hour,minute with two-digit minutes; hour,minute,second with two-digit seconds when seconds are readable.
7,08
